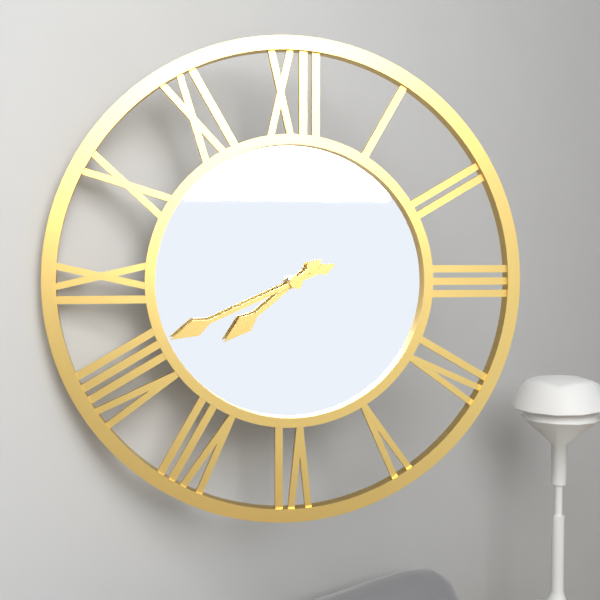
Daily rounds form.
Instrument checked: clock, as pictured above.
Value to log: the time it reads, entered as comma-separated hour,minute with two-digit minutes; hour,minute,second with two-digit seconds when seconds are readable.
7,41
